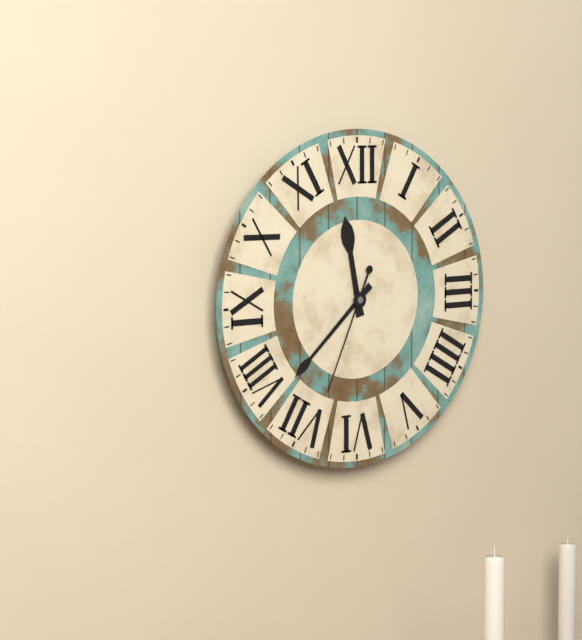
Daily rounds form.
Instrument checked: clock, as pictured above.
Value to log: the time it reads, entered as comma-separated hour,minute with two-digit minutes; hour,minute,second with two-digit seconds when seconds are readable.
11,38,34
